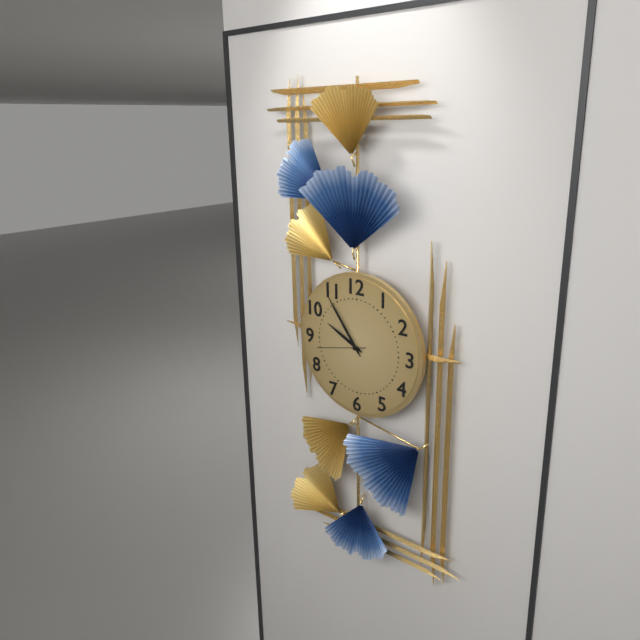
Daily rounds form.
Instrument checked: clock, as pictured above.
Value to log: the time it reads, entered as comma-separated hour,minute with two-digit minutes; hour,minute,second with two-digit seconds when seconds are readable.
9,54,43
